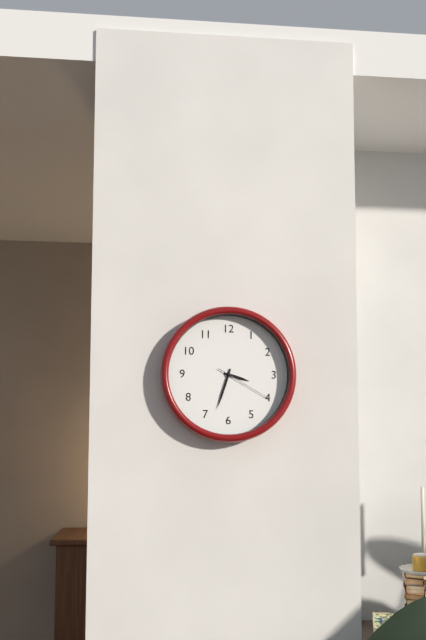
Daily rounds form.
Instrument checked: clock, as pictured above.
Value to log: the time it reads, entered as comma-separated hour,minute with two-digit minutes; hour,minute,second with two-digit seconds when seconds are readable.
3,33,20
